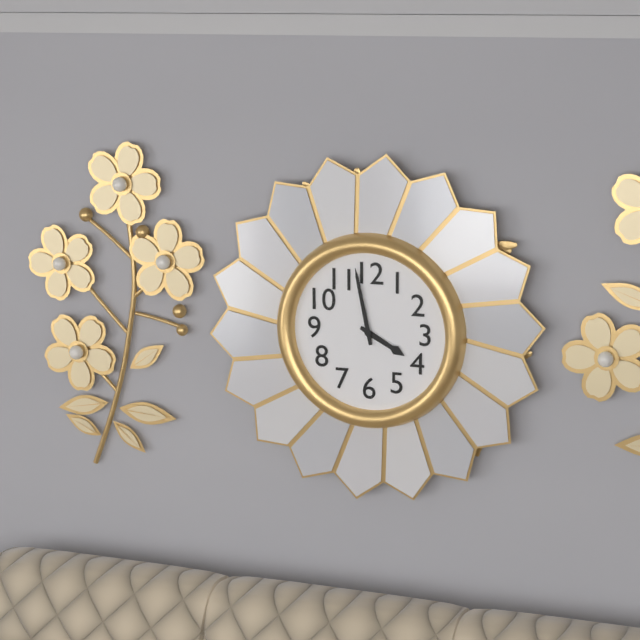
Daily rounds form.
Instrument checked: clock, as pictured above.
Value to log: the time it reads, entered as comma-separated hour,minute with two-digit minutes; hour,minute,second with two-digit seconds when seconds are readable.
3,58
